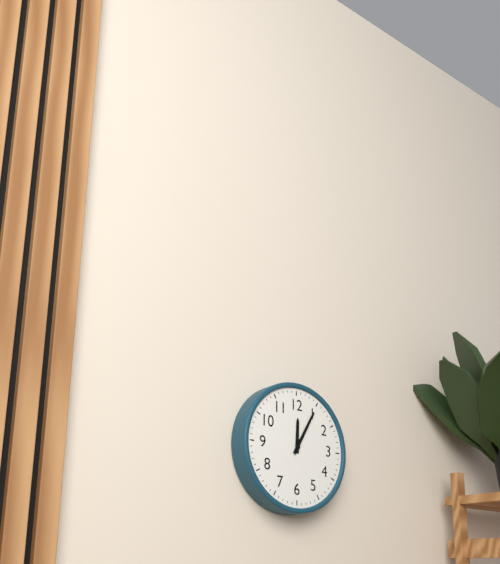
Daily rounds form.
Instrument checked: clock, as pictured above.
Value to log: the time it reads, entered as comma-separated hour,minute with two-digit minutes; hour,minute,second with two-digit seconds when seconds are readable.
12,05
